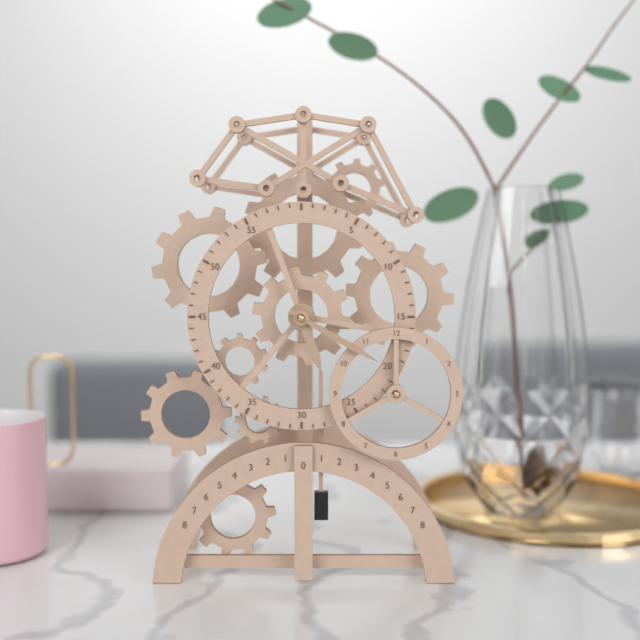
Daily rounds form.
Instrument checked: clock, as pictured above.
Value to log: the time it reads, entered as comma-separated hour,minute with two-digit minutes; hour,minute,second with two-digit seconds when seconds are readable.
5,20
